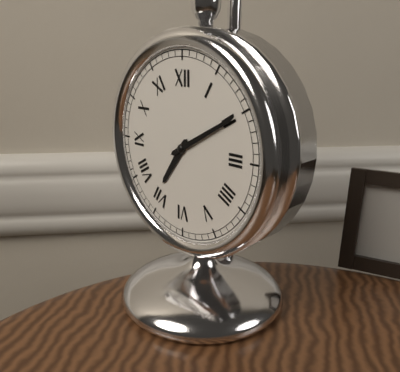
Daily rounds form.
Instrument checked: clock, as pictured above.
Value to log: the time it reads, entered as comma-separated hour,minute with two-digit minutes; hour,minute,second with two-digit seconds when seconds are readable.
7,10
